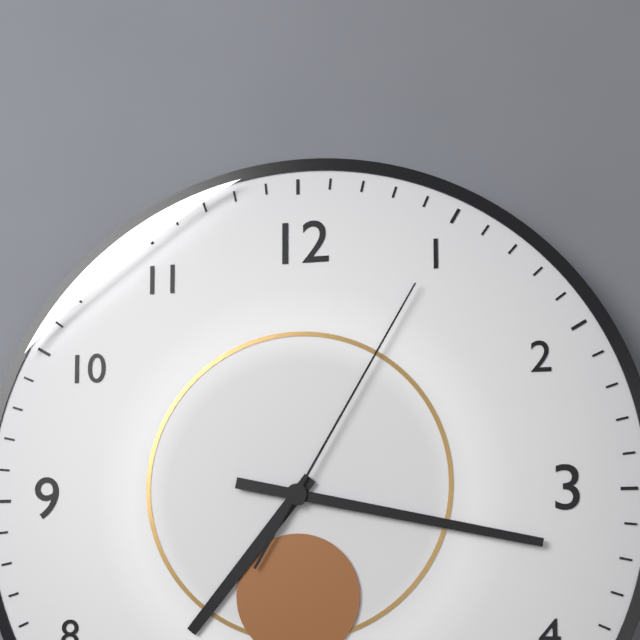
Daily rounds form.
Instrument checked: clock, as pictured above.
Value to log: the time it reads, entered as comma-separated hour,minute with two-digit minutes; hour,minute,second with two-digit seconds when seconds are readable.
7,17,05
